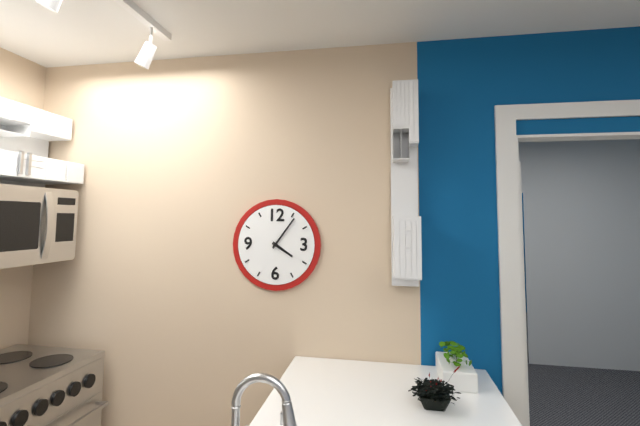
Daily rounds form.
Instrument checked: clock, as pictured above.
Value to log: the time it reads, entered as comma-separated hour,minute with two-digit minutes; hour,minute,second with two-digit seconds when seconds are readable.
4,06
